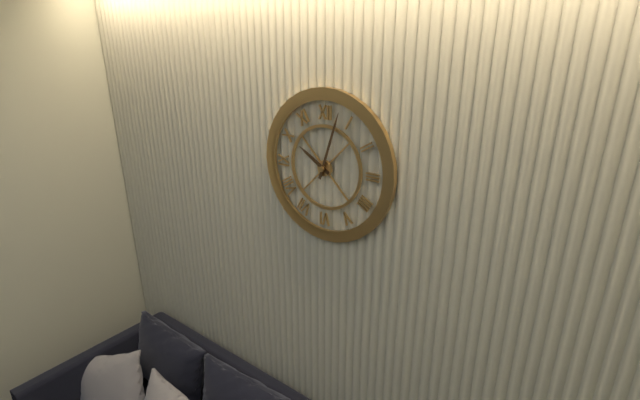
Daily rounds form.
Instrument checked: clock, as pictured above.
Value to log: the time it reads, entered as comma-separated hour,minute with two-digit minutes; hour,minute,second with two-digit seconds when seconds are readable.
10,03
